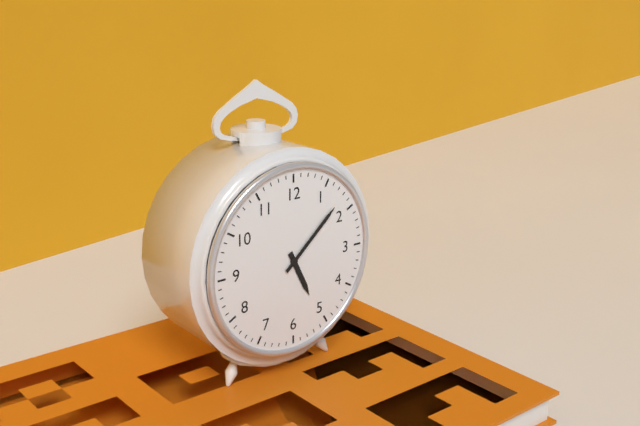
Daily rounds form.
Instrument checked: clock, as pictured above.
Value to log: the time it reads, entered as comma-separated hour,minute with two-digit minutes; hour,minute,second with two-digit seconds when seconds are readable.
5,08
